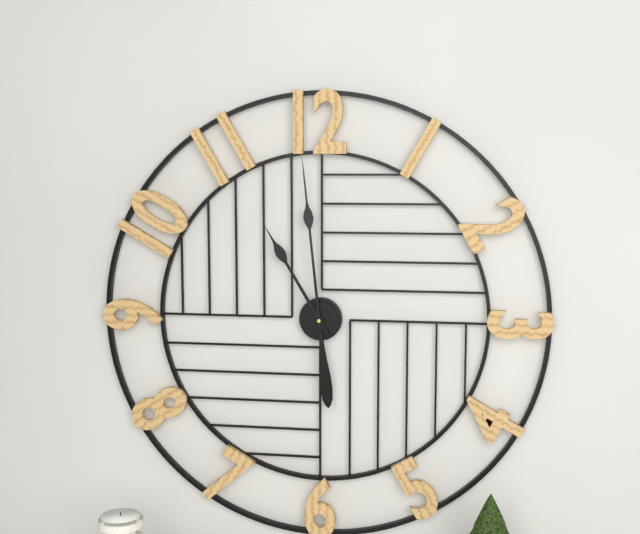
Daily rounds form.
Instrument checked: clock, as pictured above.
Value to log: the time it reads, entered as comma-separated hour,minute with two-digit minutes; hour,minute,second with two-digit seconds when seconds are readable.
10,59
